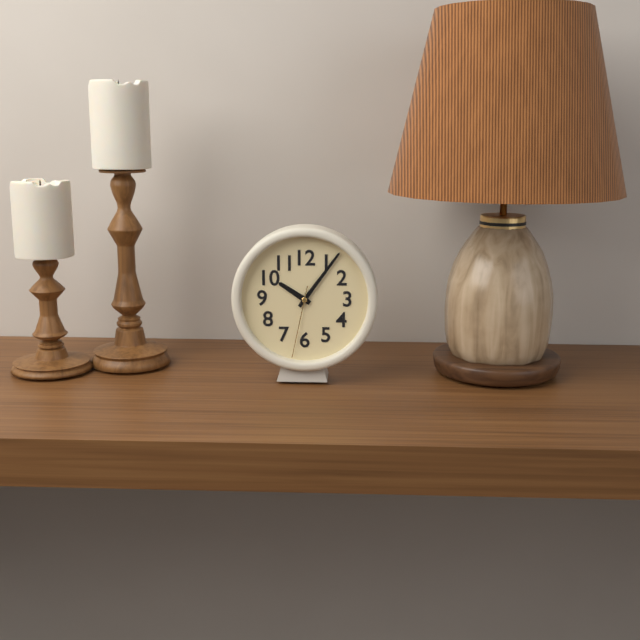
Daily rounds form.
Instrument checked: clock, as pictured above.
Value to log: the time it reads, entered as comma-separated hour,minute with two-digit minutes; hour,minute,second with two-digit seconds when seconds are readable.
10,06,32
